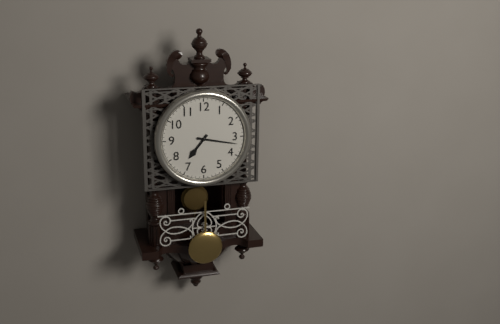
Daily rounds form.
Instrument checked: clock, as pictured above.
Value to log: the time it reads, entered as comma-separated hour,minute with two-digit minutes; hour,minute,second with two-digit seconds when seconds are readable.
7,17
